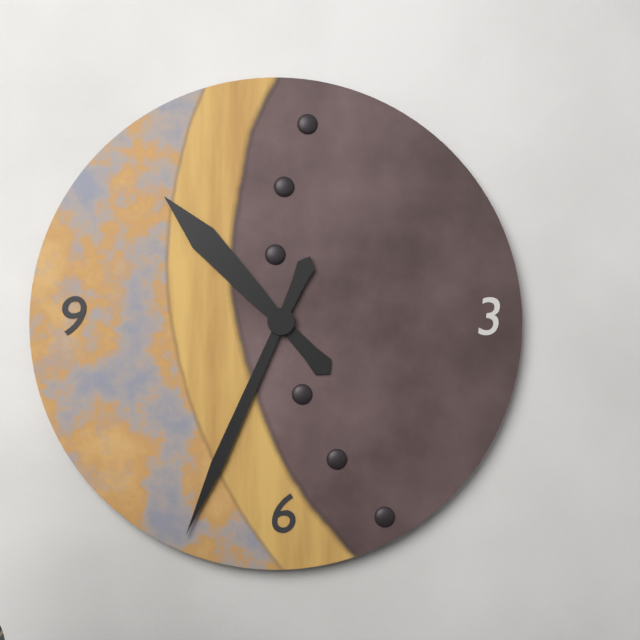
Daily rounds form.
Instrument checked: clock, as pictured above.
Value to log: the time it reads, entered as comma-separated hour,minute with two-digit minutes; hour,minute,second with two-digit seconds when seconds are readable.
10,34
